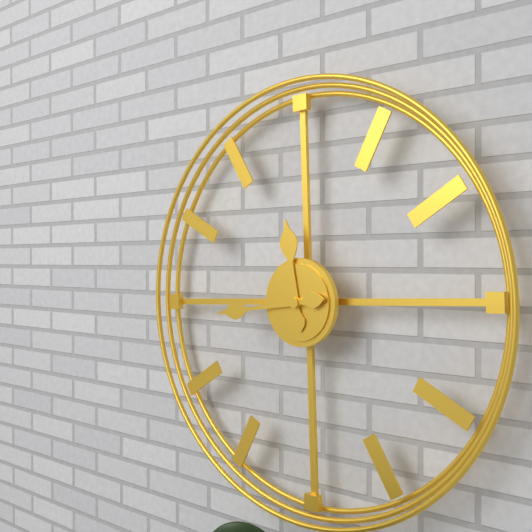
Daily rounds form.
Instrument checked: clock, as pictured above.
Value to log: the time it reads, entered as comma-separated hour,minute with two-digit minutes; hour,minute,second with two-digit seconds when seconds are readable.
11,44
